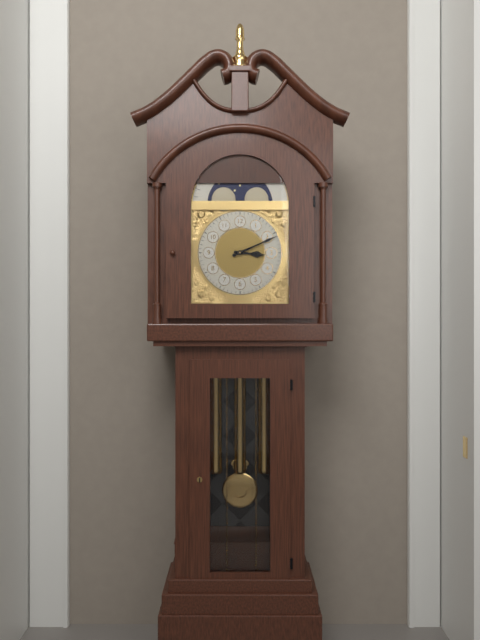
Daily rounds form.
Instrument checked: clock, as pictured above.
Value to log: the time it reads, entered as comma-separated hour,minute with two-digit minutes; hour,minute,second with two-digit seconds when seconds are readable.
3,11
